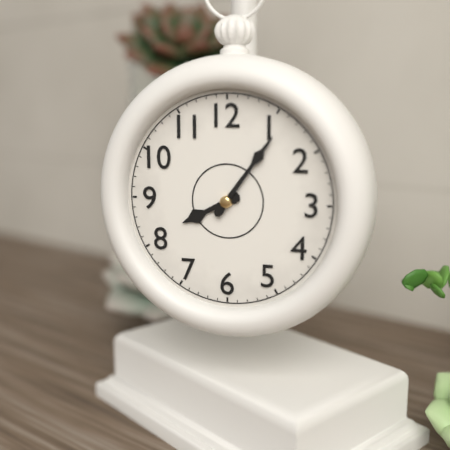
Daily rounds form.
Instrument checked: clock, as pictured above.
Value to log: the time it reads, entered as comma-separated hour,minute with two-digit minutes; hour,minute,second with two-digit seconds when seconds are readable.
8,06
